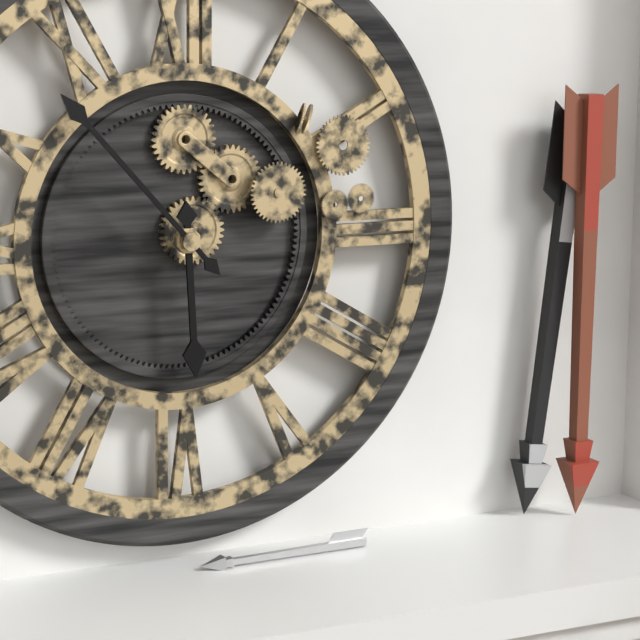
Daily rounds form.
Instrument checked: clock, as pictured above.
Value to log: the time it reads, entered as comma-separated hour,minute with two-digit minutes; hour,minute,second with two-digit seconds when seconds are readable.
5,53
